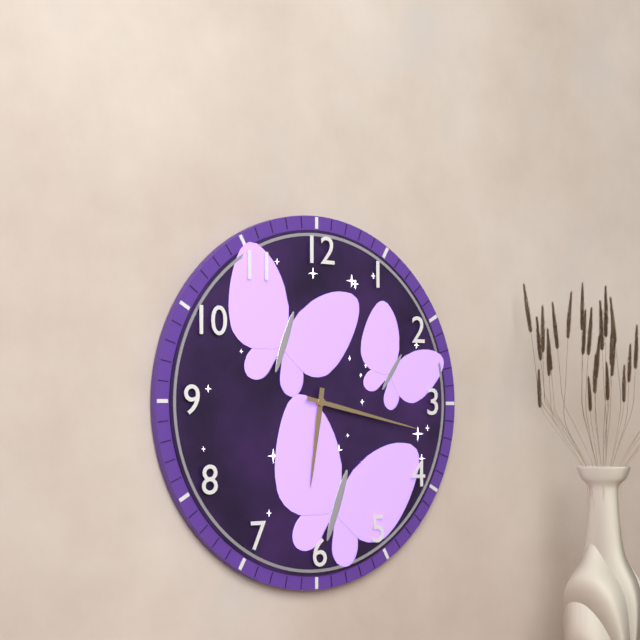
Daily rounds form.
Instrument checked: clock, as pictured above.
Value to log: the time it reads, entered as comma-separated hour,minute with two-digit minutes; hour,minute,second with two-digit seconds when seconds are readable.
6,17
